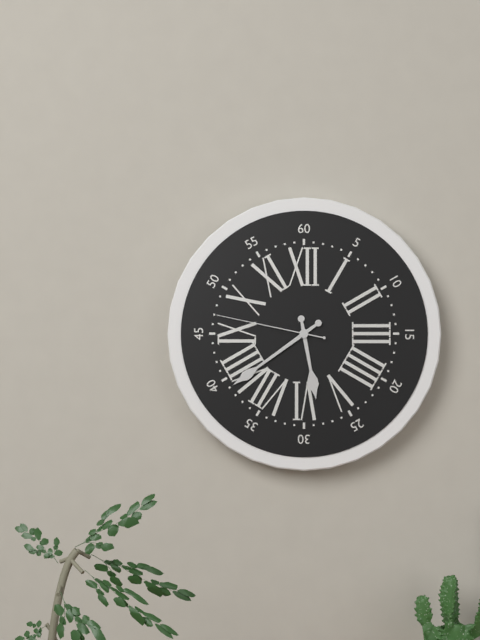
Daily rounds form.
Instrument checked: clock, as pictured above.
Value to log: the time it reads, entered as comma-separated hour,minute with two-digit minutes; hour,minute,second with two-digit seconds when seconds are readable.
5,39,47
